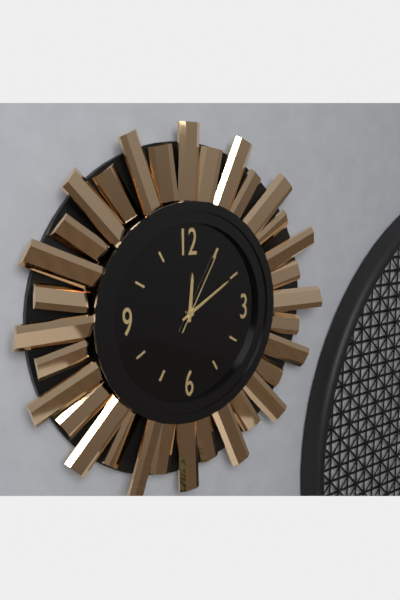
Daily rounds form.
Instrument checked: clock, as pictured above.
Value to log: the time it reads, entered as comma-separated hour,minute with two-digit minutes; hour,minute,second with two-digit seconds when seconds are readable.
12,10,05
